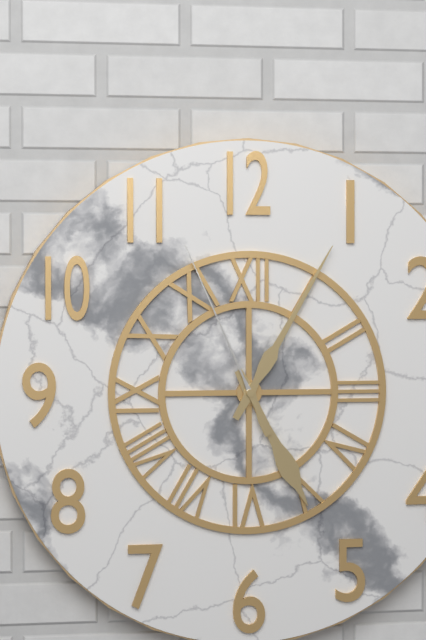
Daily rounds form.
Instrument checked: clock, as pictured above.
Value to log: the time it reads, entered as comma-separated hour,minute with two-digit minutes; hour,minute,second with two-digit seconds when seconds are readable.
5,05,56
